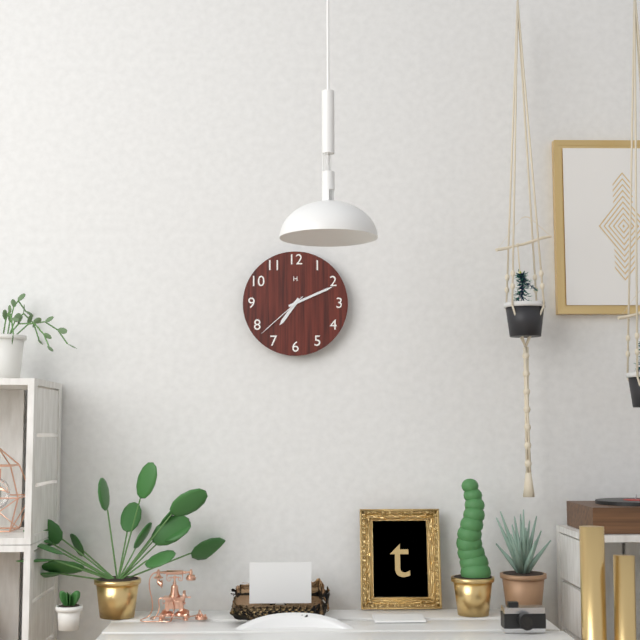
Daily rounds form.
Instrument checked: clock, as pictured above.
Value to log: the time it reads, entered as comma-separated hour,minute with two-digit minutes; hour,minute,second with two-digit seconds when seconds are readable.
7,11,38
